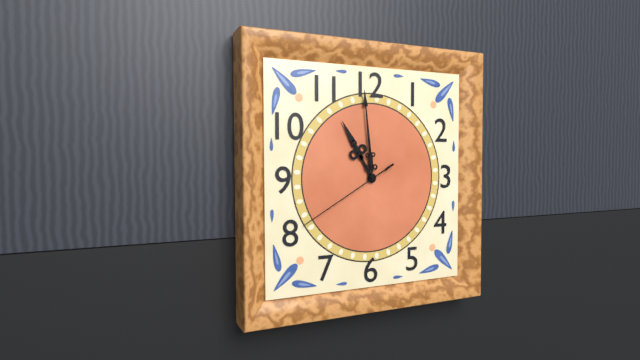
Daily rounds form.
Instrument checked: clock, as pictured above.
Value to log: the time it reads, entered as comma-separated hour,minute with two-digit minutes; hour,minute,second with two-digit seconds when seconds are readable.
10,59,40
